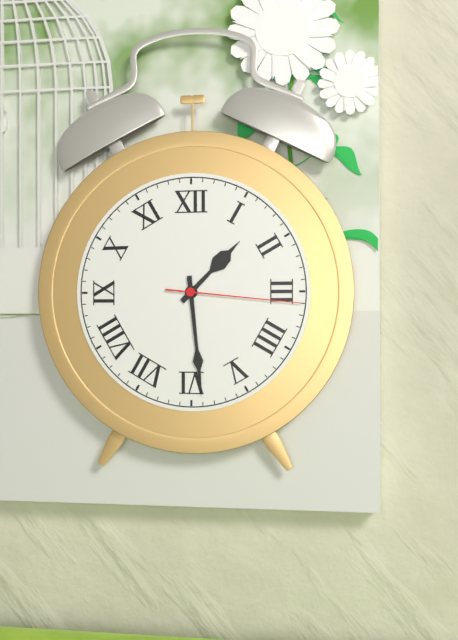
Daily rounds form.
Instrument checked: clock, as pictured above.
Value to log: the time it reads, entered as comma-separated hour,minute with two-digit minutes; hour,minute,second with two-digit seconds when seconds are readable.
1,29,16
